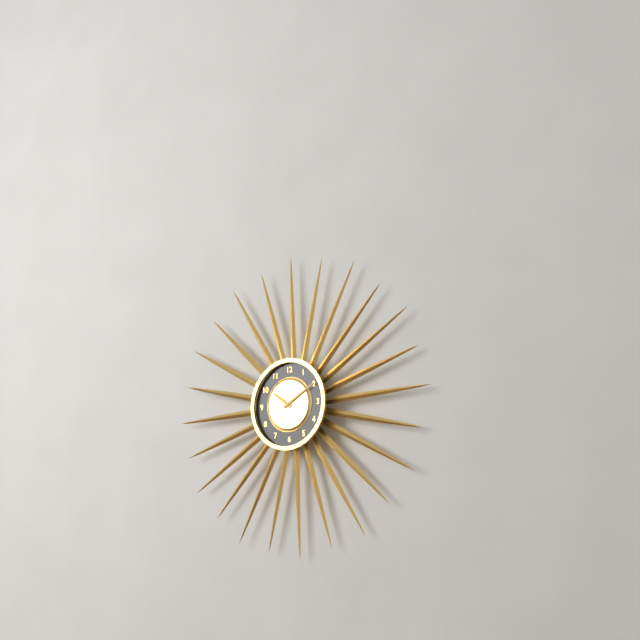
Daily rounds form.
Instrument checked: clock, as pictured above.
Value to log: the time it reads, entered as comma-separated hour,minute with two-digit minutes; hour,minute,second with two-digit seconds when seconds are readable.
10,10
